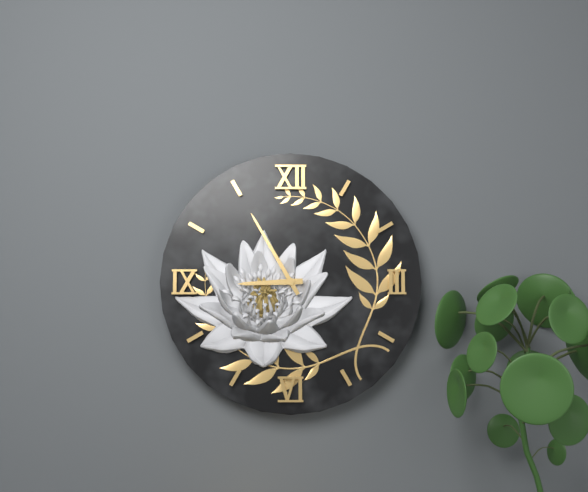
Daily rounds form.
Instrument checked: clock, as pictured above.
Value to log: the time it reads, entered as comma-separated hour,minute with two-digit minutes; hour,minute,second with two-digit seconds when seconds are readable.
8,55
